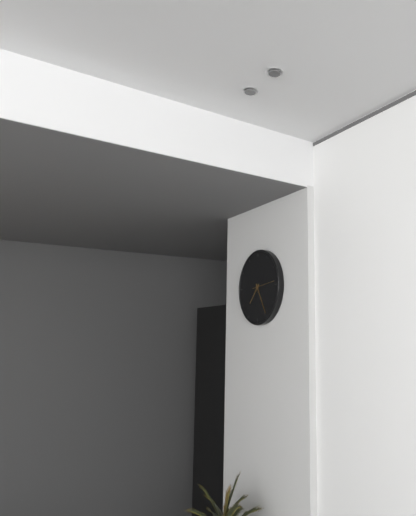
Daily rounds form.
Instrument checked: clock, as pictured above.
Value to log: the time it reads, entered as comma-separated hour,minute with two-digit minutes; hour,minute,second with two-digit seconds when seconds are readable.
7,25
